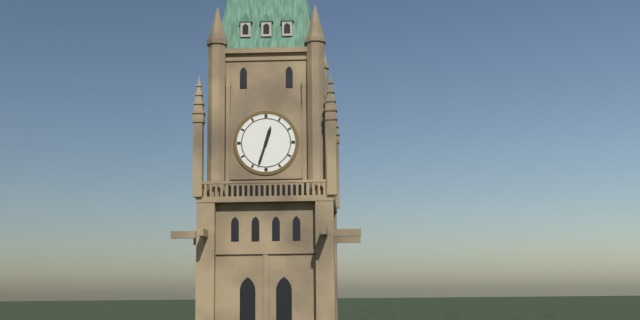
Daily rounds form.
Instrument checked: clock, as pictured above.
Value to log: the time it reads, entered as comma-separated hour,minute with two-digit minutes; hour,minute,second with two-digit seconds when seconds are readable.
12,33
